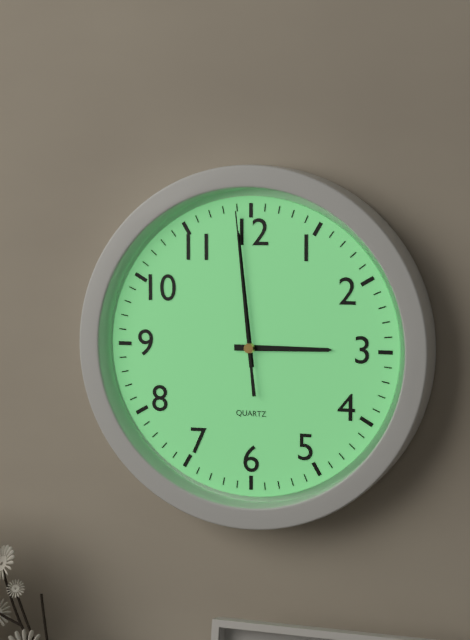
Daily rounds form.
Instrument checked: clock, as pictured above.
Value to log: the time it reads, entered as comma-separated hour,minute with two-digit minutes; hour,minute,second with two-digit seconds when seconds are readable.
2,59,59
